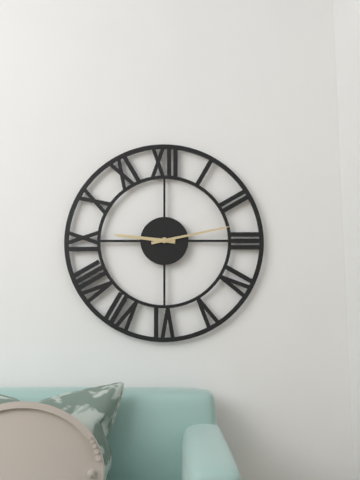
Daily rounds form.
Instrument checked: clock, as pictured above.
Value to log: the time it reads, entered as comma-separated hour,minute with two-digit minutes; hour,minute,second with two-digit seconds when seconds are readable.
9,13
